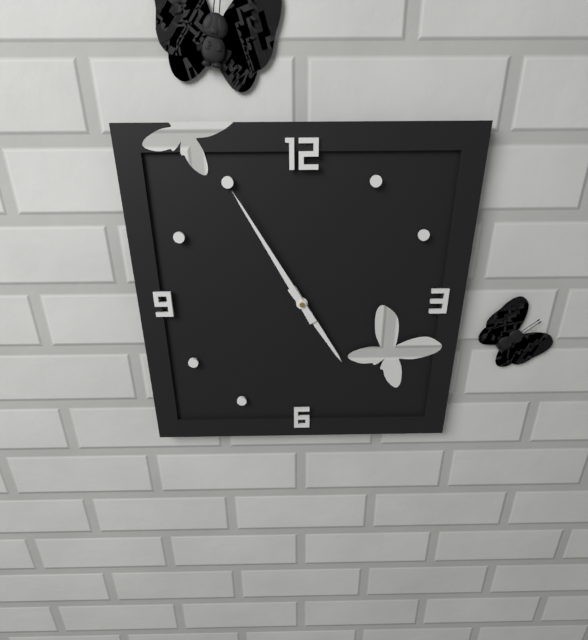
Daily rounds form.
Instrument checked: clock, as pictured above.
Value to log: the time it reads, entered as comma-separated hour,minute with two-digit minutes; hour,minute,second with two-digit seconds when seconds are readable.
4,55
